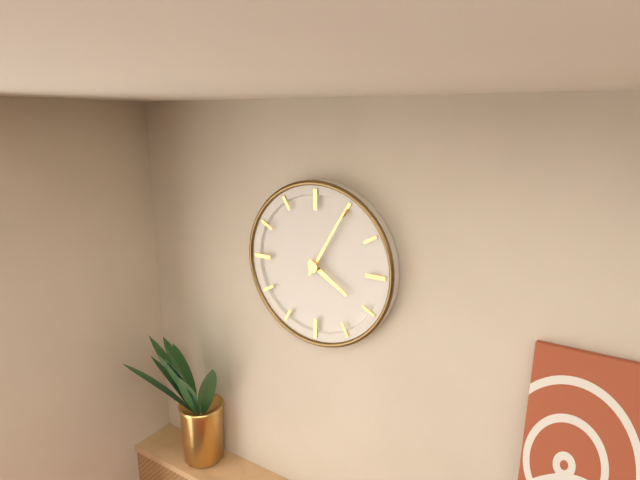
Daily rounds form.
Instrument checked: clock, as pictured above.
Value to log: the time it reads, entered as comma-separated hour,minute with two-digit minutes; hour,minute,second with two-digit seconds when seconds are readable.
4,05
